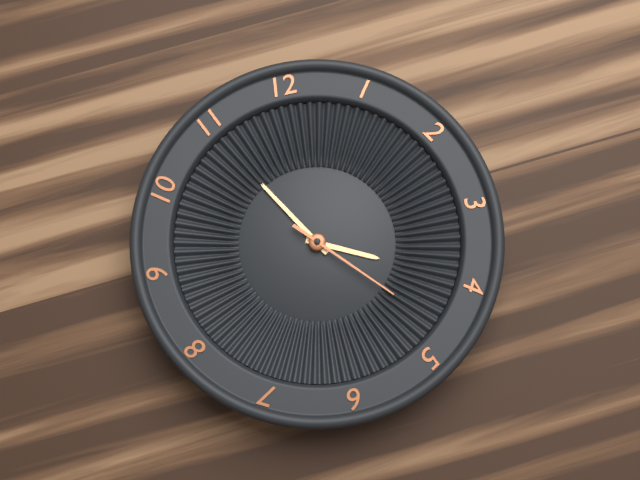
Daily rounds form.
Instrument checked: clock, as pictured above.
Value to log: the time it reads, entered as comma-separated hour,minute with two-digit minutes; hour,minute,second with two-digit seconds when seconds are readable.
3,55,23
